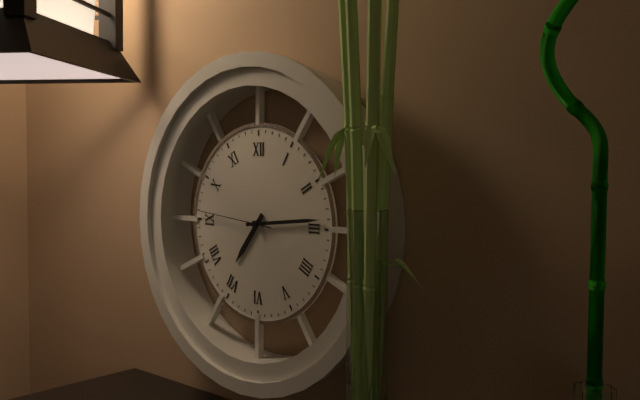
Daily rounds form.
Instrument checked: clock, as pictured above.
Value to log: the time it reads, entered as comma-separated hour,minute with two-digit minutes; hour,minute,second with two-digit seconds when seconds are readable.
7,14,46
